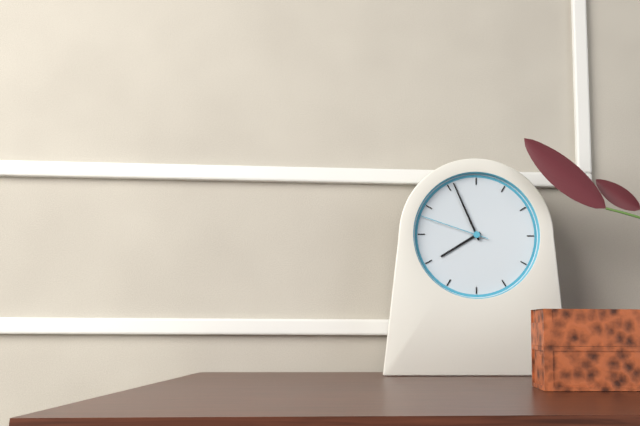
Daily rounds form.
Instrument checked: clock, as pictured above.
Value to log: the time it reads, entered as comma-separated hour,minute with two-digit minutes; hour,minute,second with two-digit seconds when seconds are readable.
7,56,48
